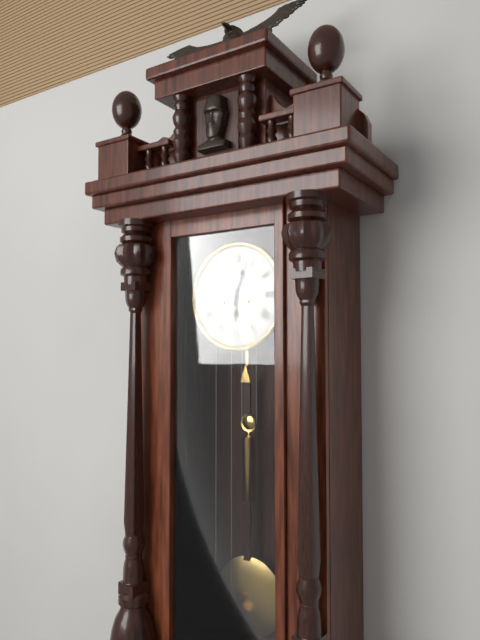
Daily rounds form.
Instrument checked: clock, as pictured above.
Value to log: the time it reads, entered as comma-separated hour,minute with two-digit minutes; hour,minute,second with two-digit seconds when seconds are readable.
6,03
